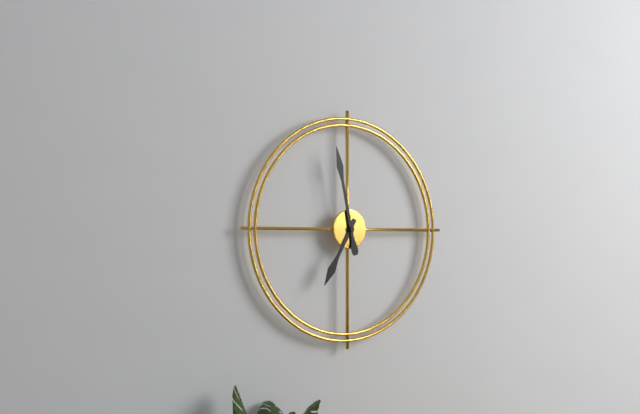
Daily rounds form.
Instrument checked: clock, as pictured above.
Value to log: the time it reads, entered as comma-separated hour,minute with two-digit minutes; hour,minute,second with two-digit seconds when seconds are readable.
6,58
